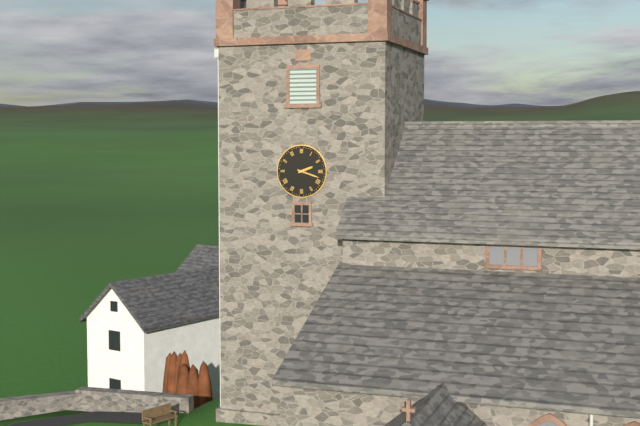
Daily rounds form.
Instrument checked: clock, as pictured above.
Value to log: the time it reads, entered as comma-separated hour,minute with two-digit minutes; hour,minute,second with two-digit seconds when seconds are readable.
2,18
